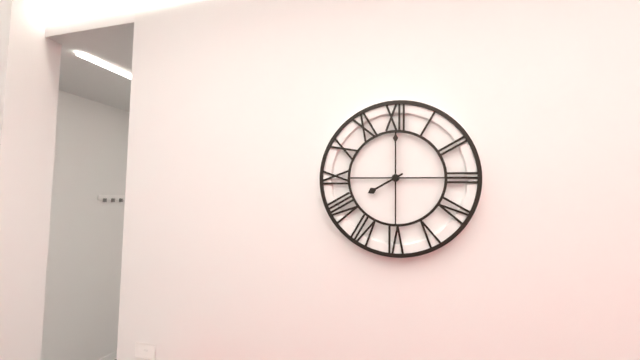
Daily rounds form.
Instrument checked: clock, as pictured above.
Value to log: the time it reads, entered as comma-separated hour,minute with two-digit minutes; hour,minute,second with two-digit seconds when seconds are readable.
8,00
